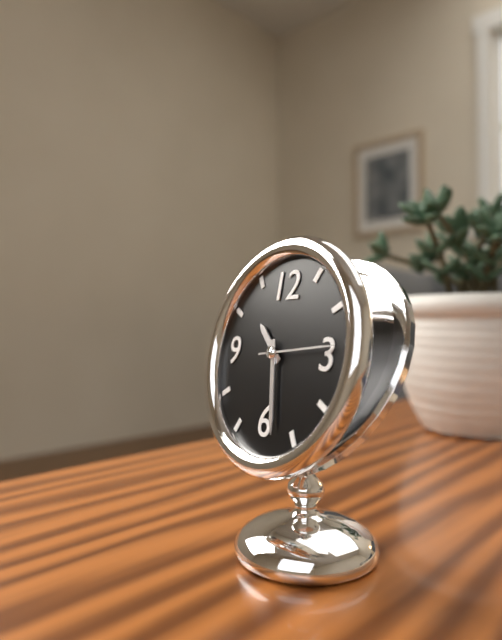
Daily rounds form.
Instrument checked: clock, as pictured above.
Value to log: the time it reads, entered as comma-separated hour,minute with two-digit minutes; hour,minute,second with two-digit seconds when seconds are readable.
10,28,14
